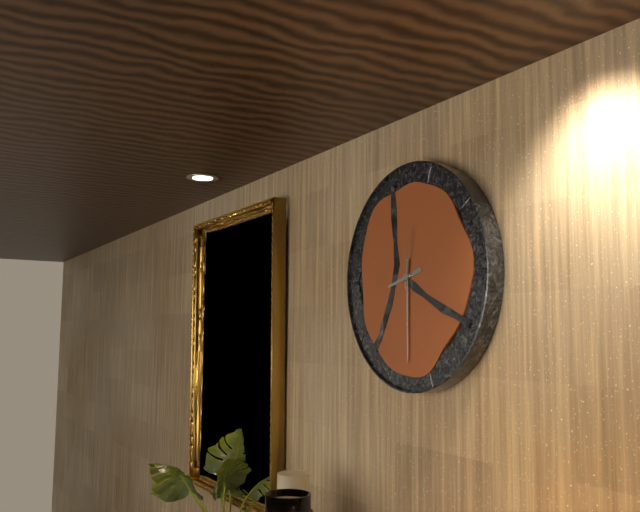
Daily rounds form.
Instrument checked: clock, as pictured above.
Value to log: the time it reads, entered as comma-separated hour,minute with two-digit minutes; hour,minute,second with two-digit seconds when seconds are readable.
8,30,02
